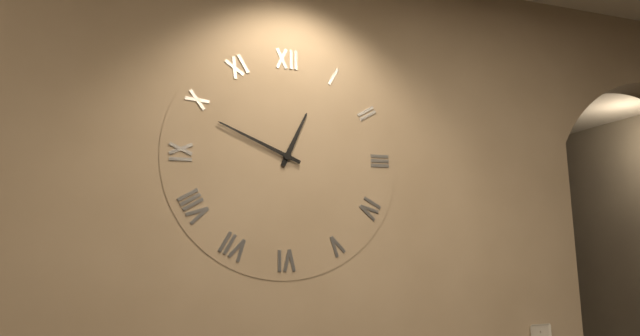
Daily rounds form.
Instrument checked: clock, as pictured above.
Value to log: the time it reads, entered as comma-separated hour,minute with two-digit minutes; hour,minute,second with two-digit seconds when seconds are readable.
12,49
